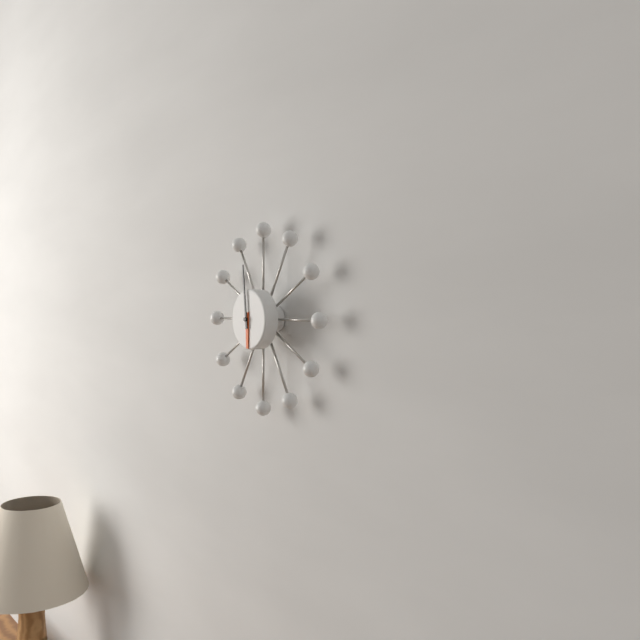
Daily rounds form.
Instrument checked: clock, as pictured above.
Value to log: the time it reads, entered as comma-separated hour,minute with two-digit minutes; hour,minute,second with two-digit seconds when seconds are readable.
5,59
